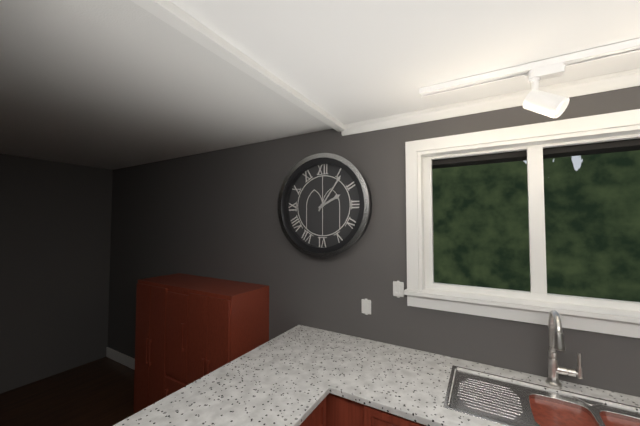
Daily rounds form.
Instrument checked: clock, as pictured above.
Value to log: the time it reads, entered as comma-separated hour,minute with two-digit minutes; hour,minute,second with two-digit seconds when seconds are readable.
2,06
